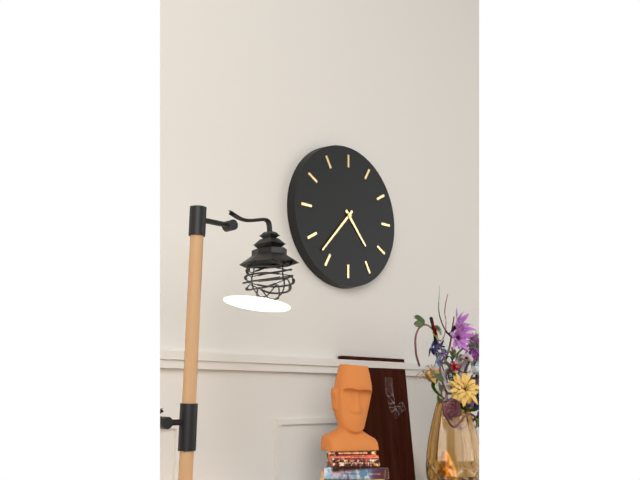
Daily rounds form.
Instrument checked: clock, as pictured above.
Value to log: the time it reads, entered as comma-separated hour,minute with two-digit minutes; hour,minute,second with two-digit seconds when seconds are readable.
4,37
